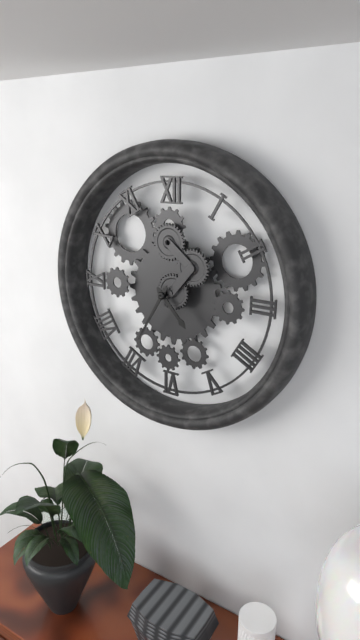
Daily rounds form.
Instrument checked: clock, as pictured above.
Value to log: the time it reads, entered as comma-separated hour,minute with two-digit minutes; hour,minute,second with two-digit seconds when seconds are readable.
4,35
